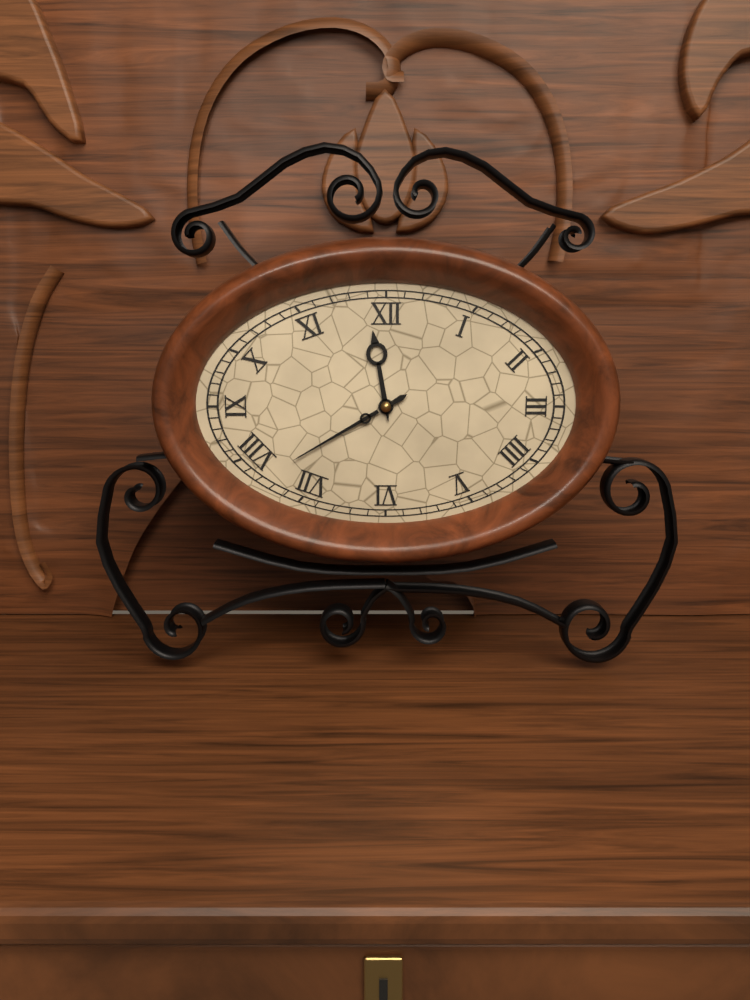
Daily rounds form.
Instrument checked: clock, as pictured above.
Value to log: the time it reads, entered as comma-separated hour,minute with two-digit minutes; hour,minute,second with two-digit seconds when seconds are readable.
11,40
